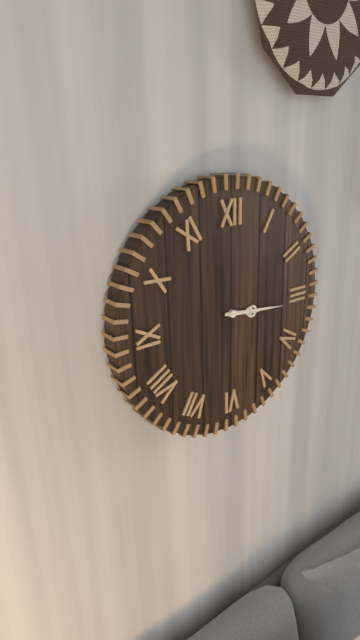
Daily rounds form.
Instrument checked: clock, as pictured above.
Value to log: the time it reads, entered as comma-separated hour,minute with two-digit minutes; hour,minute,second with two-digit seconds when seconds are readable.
3,16
